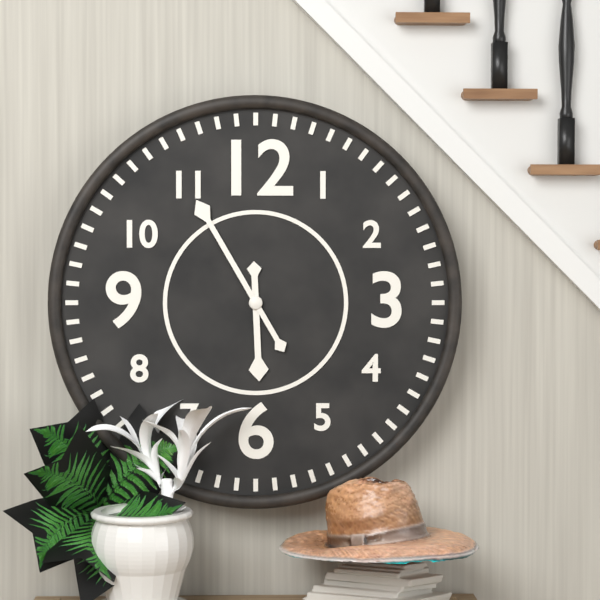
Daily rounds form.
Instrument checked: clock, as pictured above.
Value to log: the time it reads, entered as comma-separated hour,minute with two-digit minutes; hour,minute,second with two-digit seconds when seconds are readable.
5,55
